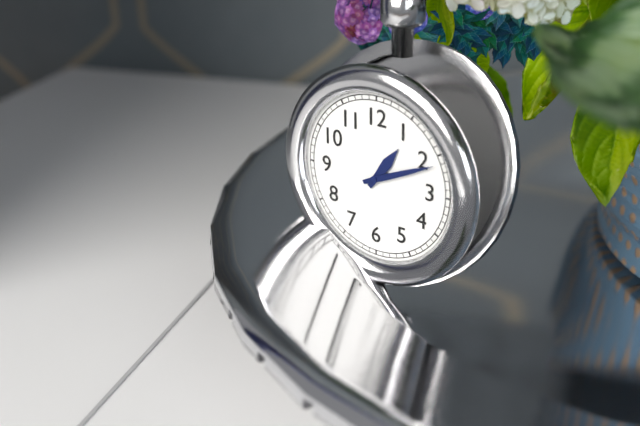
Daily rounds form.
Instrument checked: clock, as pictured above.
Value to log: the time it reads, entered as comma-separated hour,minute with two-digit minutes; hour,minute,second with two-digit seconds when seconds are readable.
1,11
